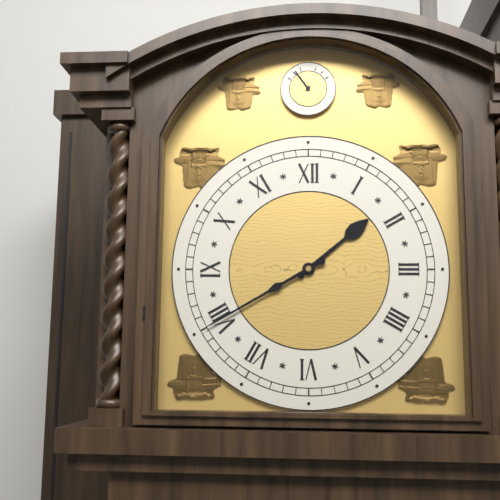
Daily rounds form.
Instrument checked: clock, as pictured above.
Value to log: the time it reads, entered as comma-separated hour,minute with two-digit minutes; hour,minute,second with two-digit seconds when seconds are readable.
1,40
